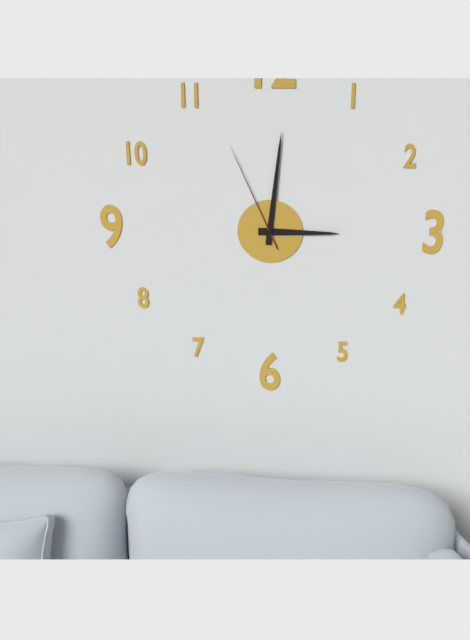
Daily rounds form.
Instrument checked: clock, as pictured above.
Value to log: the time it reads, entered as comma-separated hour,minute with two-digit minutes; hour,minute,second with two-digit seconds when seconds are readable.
3,01,56
